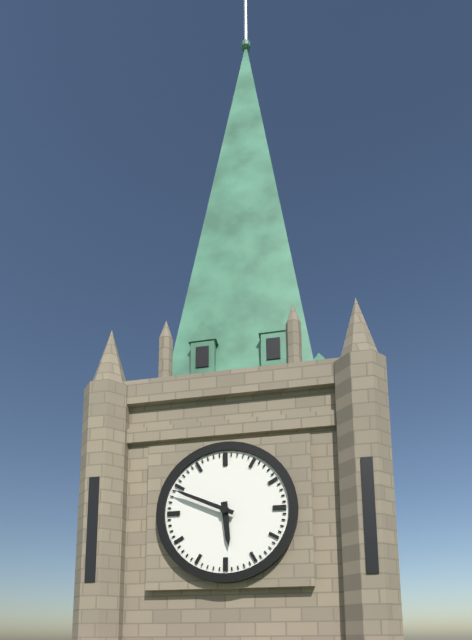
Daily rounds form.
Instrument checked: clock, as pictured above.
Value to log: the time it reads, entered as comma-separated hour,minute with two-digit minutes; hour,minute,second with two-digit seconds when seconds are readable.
5,49
